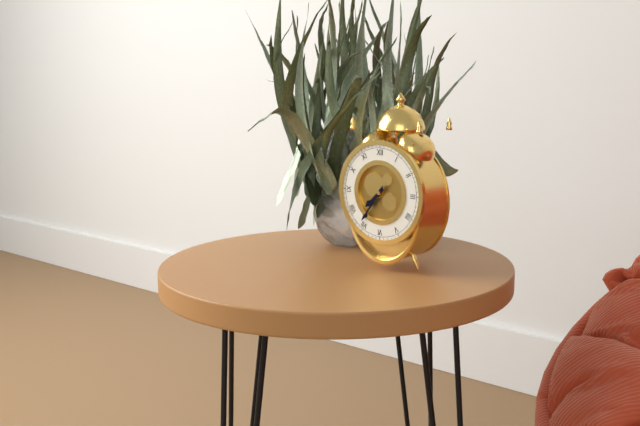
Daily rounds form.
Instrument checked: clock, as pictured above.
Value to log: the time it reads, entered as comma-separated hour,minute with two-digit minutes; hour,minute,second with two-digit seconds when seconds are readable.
7,36
